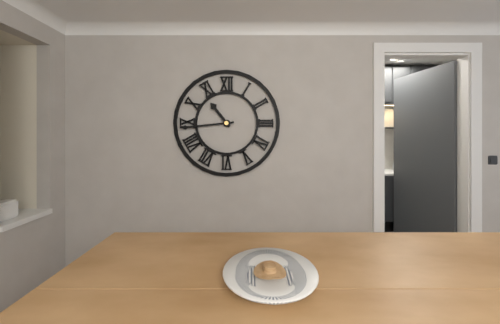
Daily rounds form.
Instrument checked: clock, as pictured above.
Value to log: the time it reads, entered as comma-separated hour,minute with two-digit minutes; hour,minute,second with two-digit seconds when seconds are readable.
10,44
